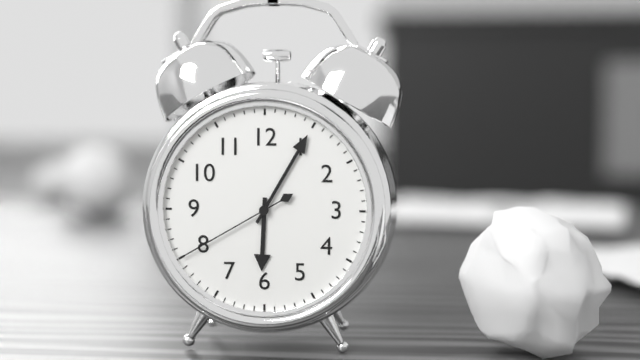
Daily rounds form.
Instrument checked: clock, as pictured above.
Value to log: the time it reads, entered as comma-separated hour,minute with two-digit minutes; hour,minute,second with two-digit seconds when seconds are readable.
6,05,40
